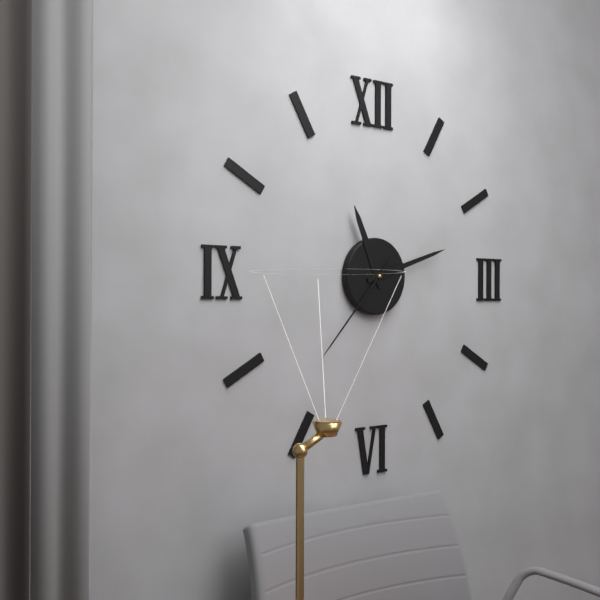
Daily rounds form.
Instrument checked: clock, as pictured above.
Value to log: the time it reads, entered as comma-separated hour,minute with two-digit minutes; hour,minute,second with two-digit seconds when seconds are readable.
11,12,37
